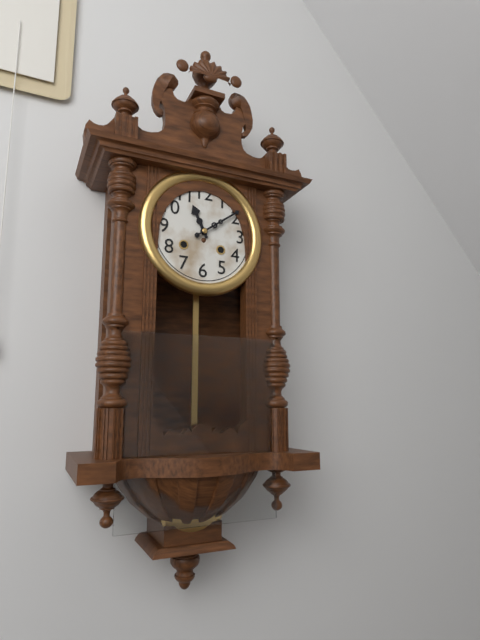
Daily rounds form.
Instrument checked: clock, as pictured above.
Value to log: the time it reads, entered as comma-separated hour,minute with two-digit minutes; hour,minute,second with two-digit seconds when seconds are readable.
11,09
